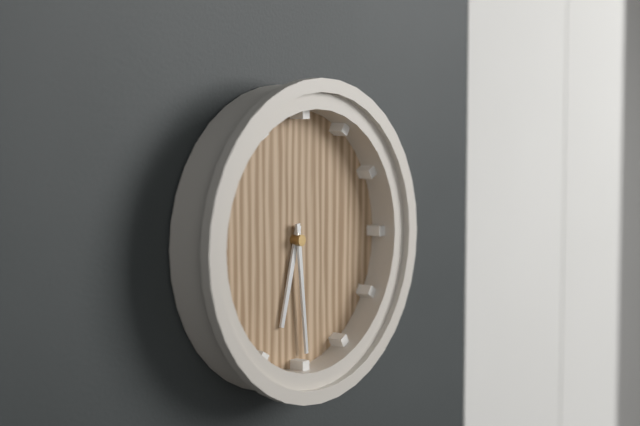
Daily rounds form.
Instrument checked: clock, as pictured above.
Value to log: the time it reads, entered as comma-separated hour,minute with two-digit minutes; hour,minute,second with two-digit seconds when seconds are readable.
6,29
